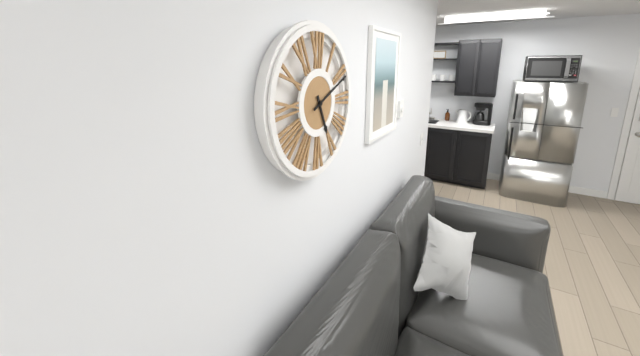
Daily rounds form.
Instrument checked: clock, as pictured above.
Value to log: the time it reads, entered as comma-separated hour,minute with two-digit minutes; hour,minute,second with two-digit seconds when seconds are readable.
5,11
